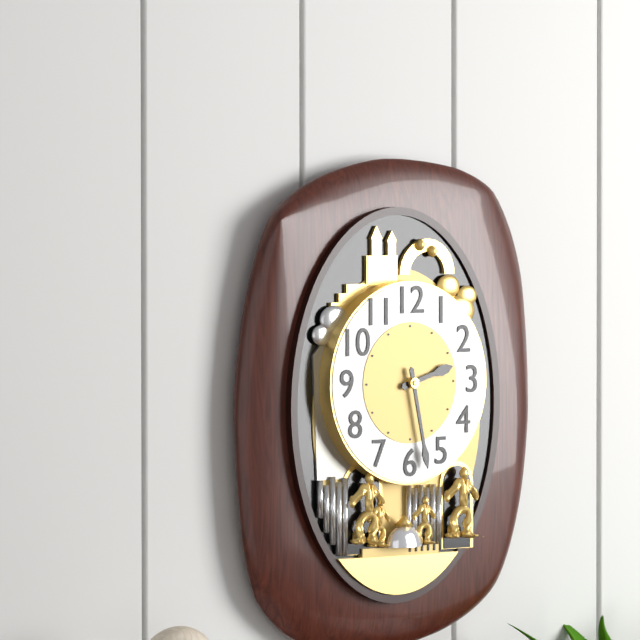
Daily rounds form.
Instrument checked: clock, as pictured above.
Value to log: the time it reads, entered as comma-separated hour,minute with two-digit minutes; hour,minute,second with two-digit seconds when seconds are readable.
2,28
